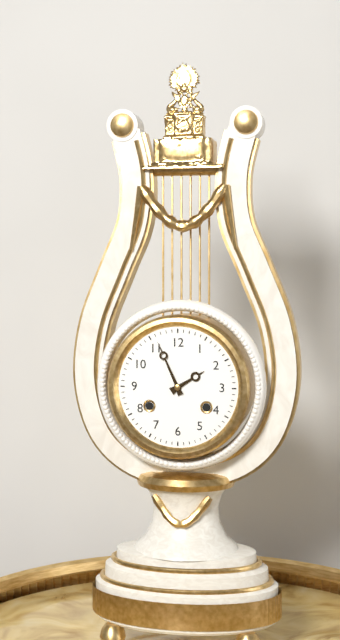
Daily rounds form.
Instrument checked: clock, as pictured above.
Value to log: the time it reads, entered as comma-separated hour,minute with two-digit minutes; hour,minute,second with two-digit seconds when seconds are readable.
1,56
